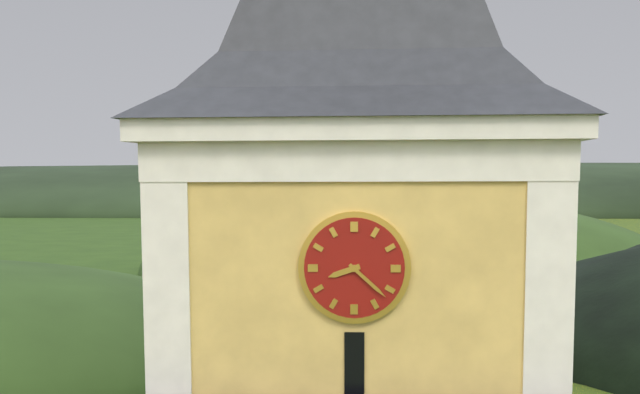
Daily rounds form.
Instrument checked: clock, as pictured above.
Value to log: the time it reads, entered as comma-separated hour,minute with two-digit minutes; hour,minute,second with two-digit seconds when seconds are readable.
8,22
